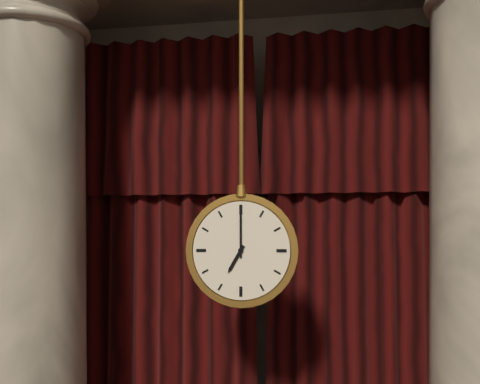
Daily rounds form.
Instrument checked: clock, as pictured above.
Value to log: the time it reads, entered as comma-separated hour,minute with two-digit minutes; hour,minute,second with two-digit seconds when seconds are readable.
7,00
